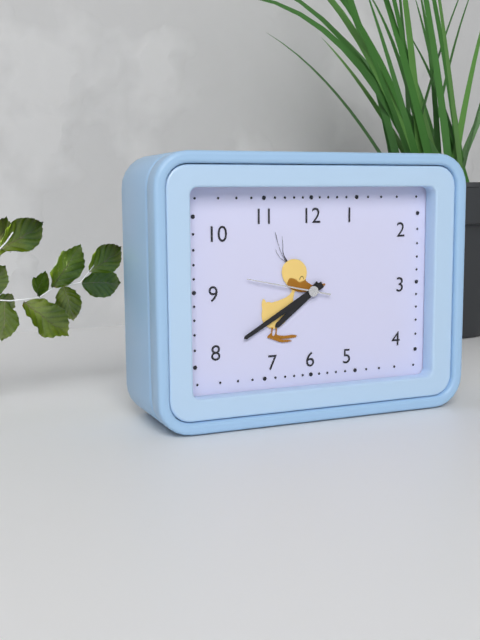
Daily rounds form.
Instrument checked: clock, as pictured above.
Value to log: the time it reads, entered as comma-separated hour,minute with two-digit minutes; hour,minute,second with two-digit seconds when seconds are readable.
7,40,47
